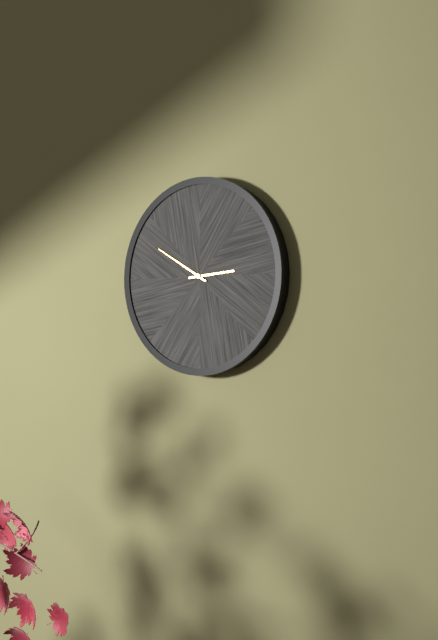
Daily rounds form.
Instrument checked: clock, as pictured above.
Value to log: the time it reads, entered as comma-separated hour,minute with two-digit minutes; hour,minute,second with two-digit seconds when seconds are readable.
2,50
